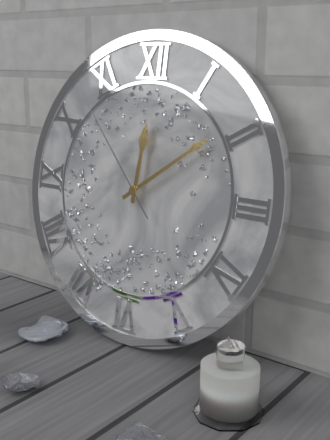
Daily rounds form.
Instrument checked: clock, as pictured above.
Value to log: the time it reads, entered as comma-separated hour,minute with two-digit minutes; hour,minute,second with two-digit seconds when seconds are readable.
12,09,53
